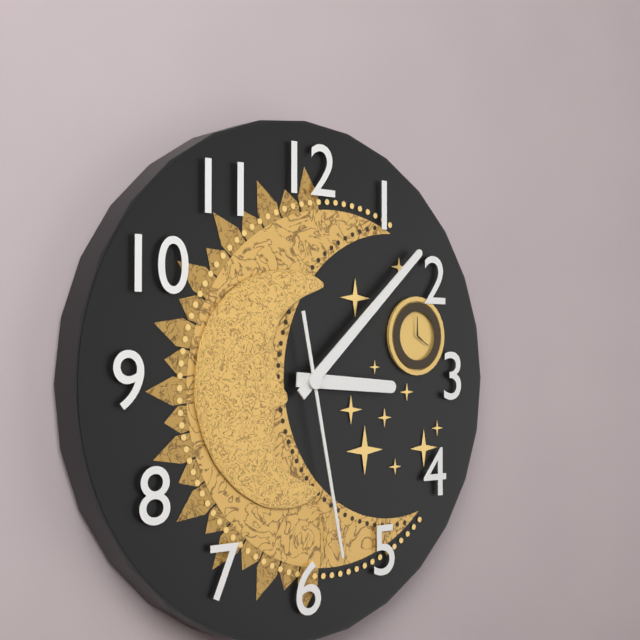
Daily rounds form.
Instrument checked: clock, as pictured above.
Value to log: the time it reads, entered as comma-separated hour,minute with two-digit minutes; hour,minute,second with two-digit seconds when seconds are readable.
3,08,28
